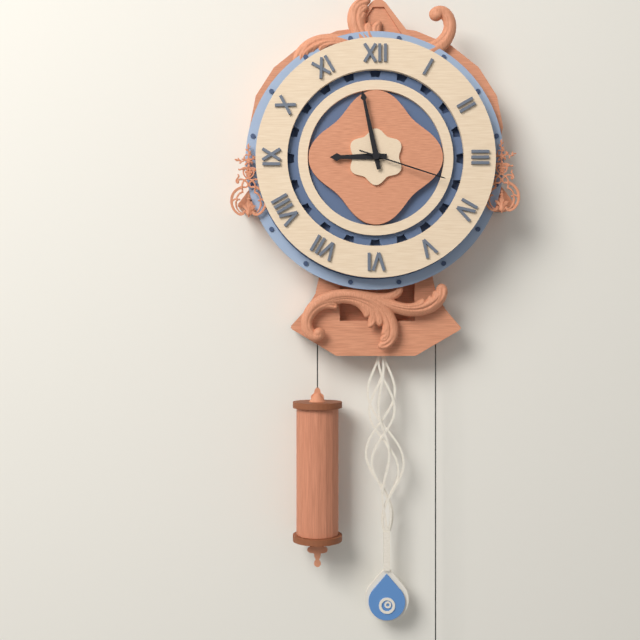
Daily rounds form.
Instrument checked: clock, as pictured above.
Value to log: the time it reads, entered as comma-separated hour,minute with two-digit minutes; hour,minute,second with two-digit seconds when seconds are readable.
8,58,18
